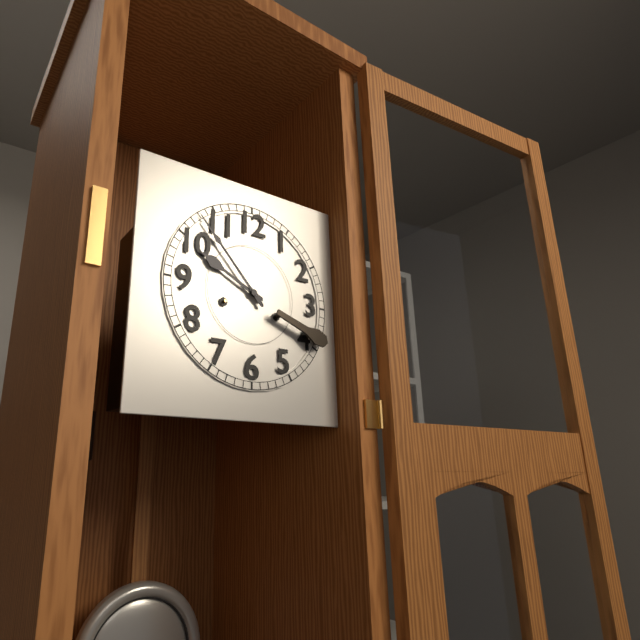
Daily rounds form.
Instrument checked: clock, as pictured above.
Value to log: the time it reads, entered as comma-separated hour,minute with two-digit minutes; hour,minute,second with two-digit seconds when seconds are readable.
9,53
